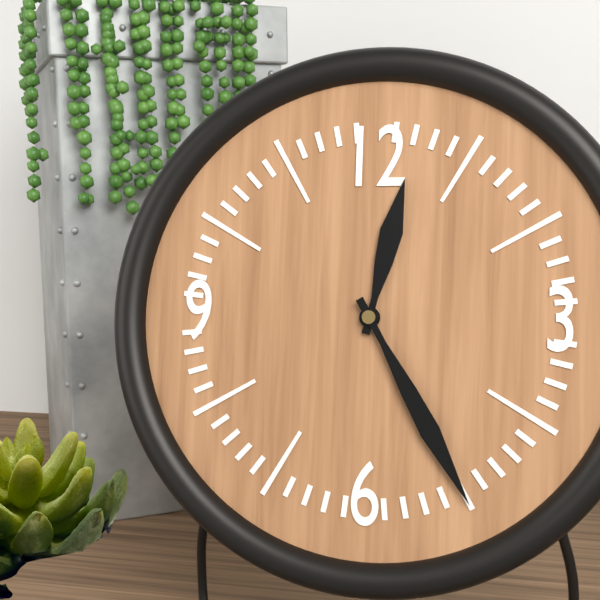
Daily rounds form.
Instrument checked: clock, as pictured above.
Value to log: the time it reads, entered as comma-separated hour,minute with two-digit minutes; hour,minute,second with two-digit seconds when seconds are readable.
12,25
